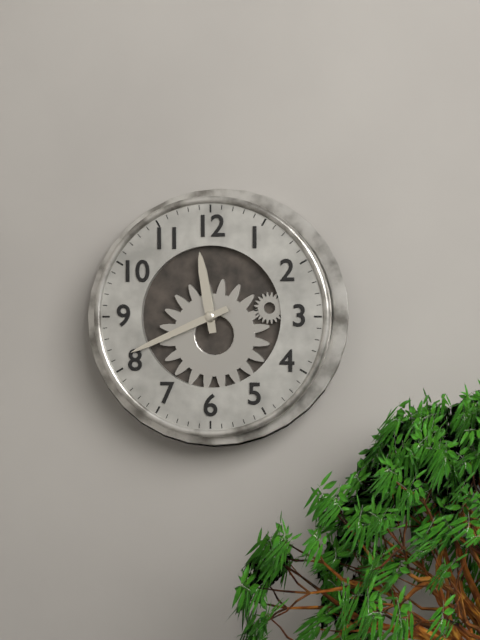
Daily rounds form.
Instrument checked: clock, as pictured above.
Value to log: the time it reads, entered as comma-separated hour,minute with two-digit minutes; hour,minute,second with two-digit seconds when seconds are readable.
11,41
